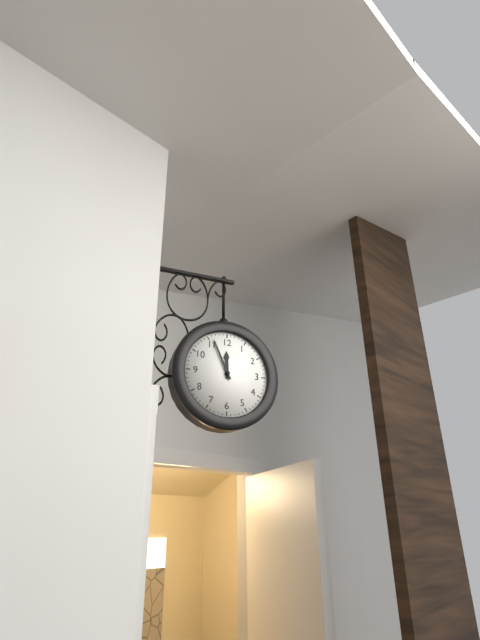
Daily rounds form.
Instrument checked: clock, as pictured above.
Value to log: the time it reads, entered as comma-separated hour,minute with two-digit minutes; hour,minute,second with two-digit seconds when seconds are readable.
11,56
